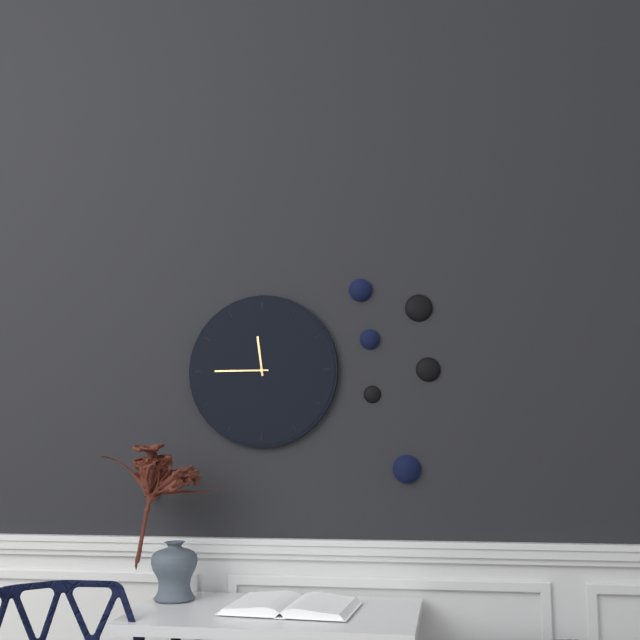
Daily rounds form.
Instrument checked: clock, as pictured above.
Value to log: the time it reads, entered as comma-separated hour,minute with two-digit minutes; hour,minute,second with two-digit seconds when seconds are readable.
11,45
